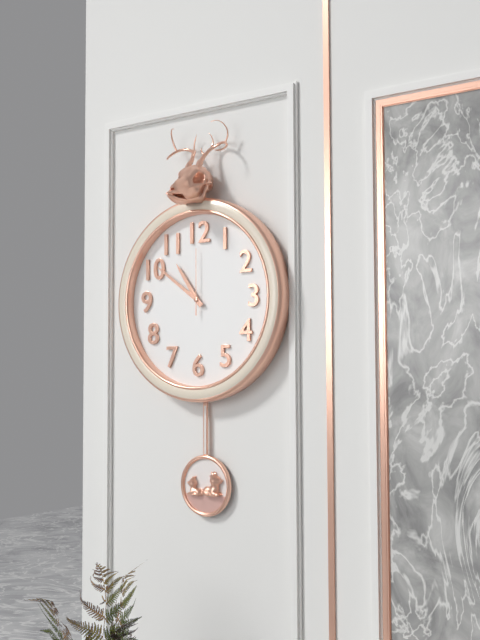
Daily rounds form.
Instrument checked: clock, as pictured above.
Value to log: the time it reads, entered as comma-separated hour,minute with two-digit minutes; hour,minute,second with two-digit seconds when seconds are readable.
10,51,00
